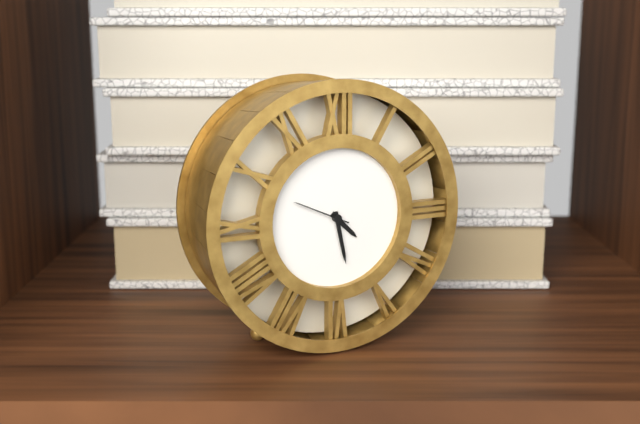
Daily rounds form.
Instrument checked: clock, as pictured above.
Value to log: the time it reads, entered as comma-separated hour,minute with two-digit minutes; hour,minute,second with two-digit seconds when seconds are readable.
4,28,49
